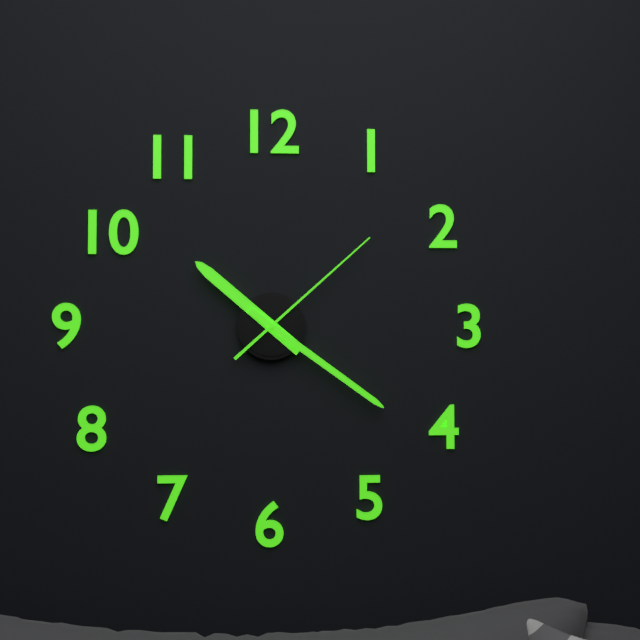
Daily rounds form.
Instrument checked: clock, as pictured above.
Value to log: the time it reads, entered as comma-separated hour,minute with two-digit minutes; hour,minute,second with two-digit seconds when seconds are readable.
10,21,08
